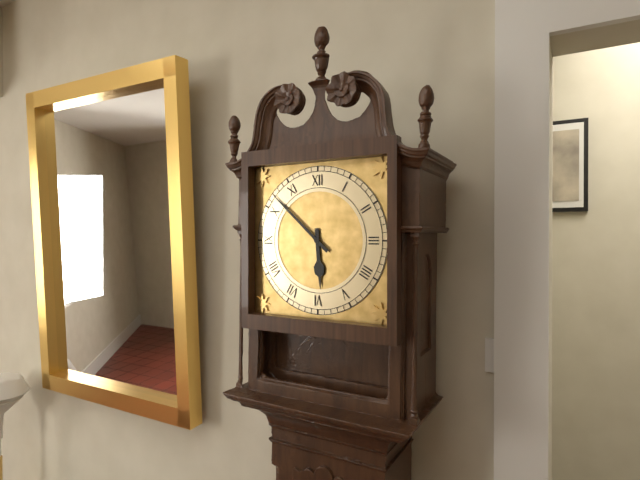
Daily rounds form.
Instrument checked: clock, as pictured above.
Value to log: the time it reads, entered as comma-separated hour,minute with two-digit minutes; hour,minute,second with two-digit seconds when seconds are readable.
5,52
